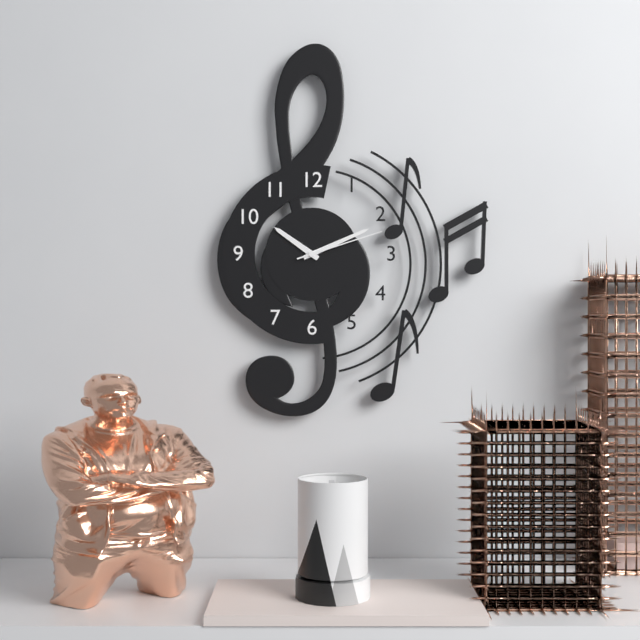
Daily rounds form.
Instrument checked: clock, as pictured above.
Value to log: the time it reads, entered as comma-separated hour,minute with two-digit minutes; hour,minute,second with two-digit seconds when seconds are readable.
10,11,12
